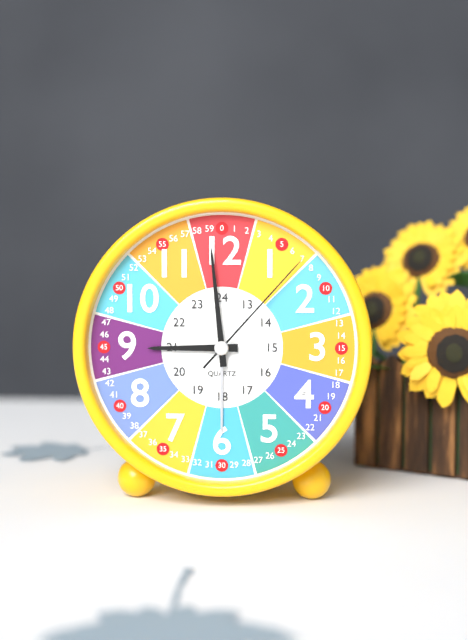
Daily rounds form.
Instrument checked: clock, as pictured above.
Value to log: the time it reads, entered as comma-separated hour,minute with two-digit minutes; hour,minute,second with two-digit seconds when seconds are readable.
8,59,07
